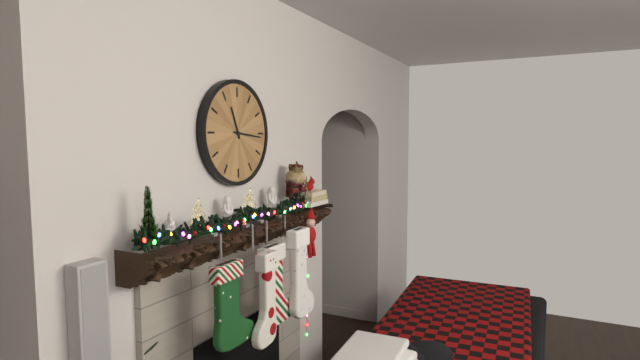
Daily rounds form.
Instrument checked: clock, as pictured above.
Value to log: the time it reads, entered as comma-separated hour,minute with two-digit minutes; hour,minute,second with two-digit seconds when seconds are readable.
11,16
